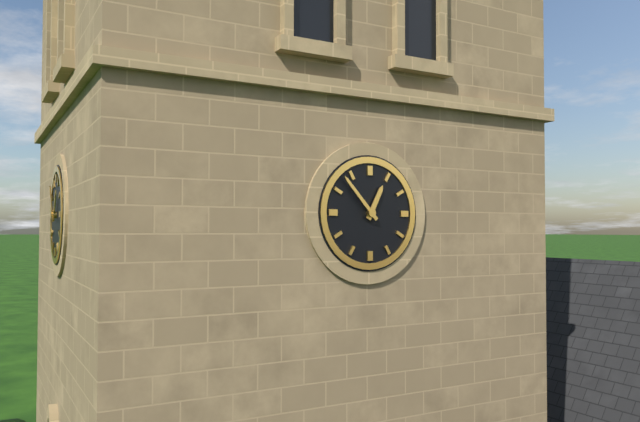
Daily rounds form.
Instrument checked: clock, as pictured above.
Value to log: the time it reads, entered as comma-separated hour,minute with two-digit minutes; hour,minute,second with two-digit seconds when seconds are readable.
12,53
